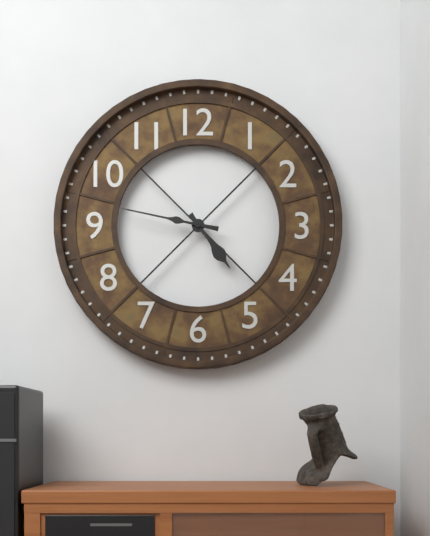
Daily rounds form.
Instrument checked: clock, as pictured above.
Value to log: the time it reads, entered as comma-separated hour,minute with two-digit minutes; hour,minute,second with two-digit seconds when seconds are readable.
4,47
